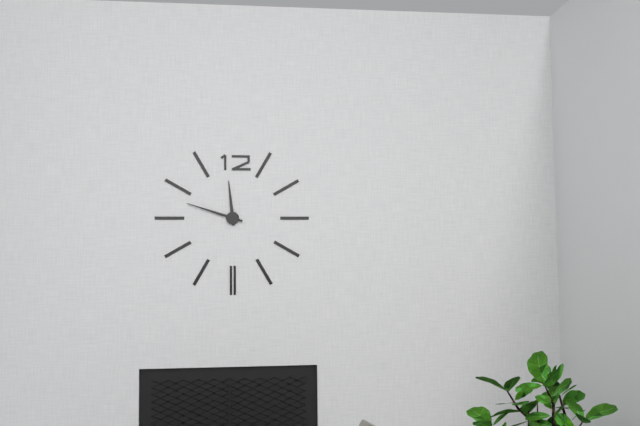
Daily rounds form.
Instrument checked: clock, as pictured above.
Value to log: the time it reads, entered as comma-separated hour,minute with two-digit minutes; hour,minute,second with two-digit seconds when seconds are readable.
11,48
